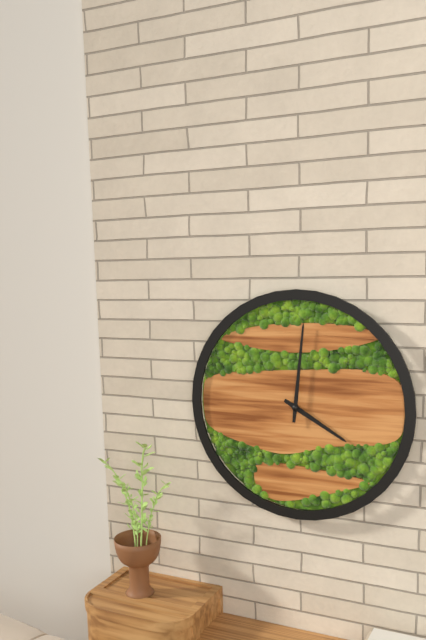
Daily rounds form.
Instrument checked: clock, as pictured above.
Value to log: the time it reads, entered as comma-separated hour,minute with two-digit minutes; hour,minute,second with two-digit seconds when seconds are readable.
4,01
